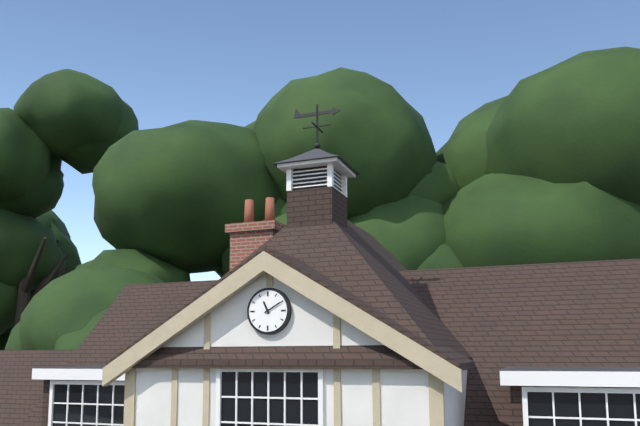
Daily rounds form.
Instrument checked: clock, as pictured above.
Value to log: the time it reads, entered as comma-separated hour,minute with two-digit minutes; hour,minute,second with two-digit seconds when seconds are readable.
11,10
